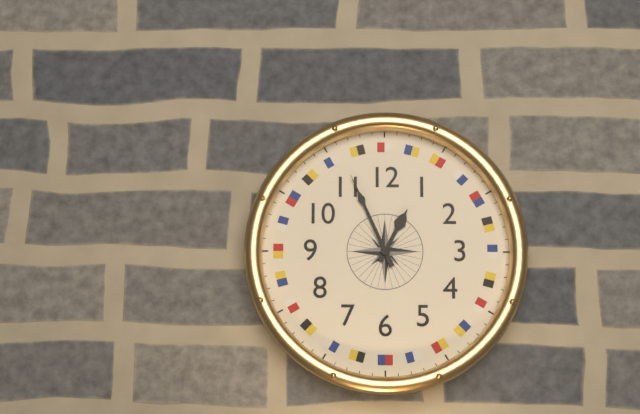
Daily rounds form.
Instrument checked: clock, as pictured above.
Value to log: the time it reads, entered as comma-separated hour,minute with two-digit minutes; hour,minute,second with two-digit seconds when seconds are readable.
12,56
